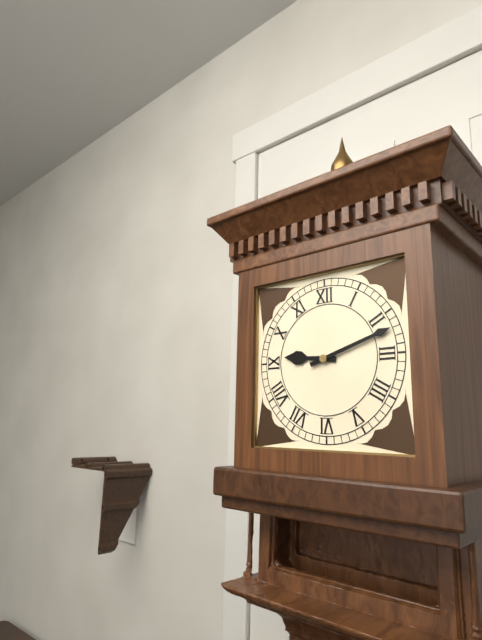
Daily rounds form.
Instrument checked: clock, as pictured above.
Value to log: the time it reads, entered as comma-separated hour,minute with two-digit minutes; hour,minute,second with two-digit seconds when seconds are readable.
9,12
